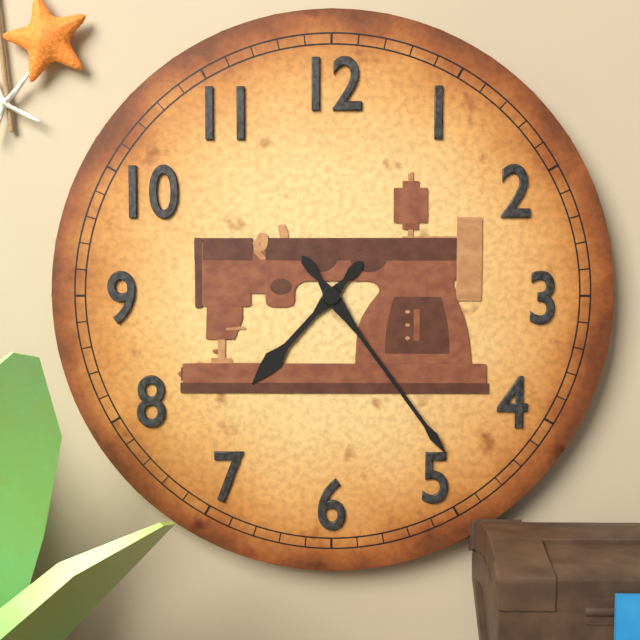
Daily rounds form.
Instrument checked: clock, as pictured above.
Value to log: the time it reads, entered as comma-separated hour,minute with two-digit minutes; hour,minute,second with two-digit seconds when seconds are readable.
7,24
